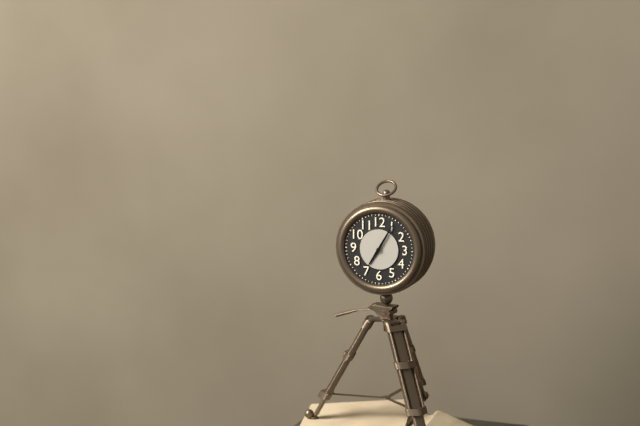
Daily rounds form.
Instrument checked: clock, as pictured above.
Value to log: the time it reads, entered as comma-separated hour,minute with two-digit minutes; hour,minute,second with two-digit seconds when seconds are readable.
7,05
